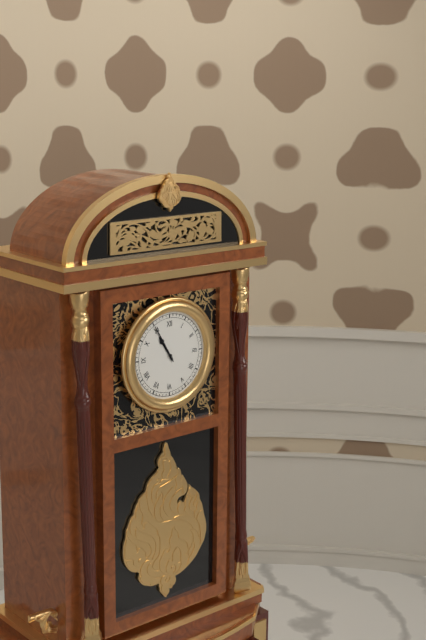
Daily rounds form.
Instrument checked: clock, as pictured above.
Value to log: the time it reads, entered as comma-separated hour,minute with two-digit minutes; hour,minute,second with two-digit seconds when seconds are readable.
10,55
